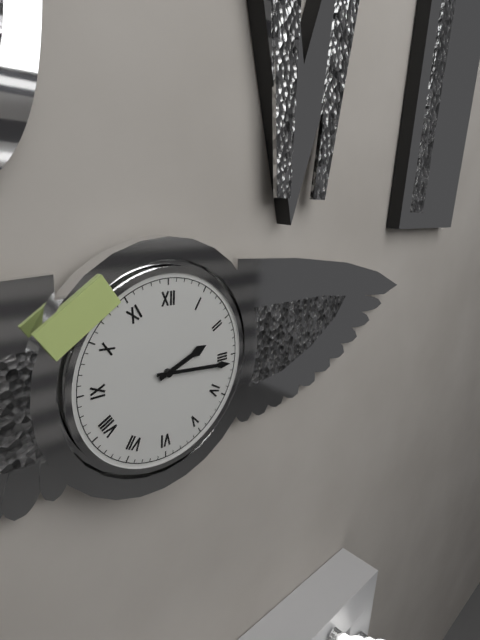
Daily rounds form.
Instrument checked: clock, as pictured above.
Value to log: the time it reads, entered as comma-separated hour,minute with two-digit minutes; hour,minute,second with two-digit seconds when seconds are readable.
2,16
